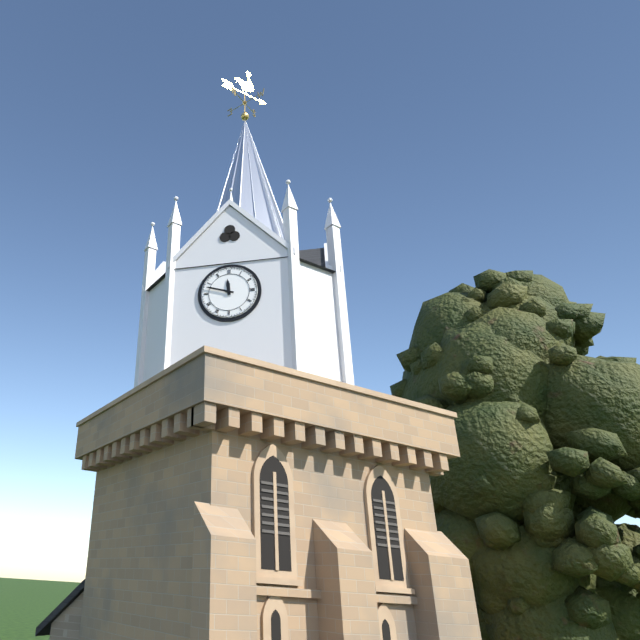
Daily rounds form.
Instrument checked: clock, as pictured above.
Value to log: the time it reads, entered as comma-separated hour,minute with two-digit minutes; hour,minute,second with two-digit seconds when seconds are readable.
11,48
